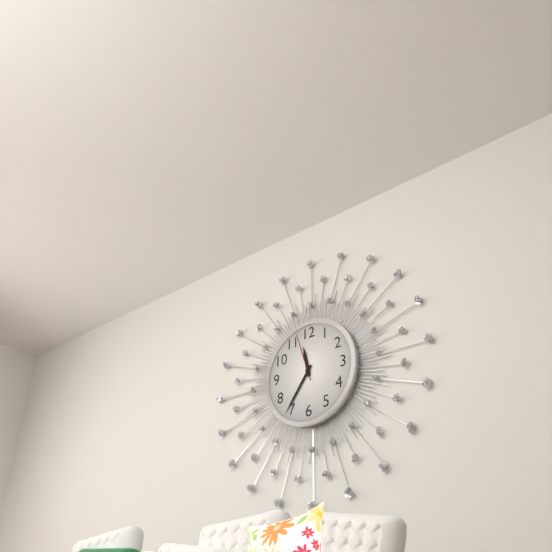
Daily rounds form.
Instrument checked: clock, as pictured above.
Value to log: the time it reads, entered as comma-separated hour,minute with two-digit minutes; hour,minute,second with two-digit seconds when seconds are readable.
11,36
